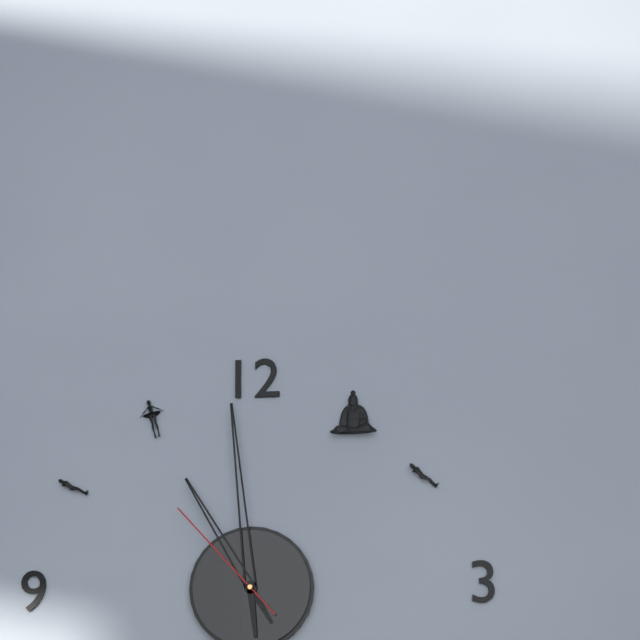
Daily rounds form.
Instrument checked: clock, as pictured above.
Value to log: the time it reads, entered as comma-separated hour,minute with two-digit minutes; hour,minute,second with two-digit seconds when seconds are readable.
10,59,53
